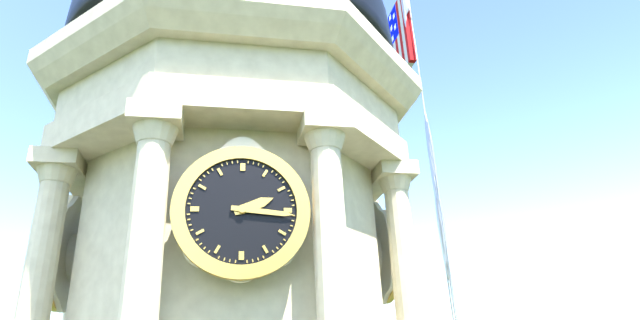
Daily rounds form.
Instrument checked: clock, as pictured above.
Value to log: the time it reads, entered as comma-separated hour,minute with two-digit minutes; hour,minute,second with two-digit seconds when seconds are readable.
2,16
